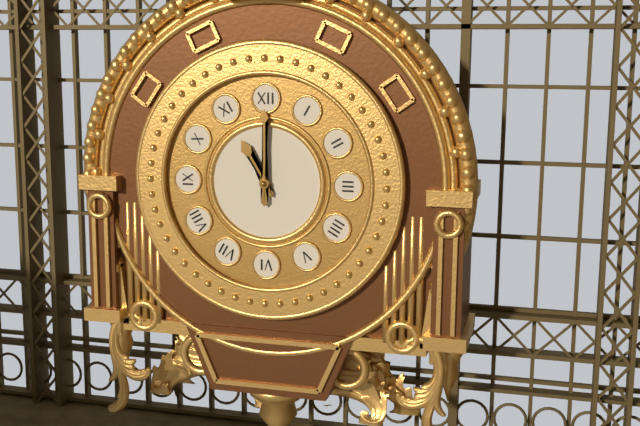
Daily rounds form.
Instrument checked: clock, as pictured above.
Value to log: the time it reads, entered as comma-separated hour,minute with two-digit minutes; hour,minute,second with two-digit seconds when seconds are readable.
11,00
